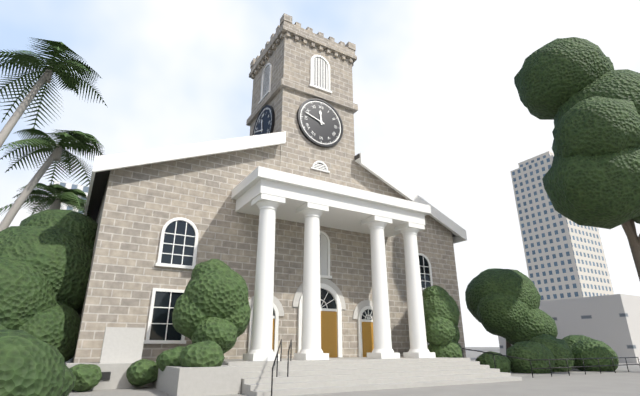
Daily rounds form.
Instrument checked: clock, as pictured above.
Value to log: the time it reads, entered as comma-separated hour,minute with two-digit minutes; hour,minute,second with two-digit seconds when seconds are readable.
11,48
